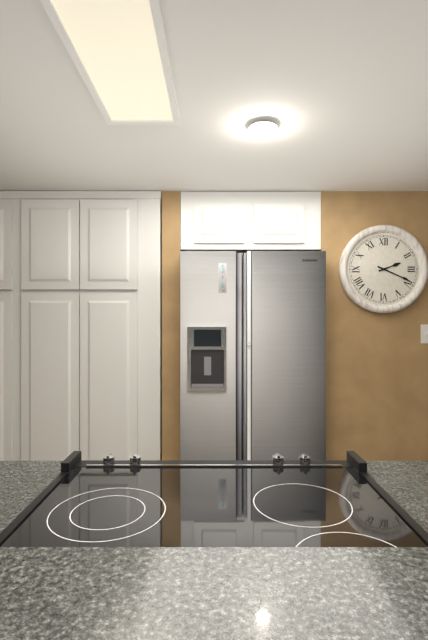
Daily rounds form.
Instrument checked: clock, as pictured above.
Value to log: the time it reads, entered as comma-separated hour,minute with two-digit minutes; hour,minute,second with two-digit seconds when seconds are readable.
2,19
